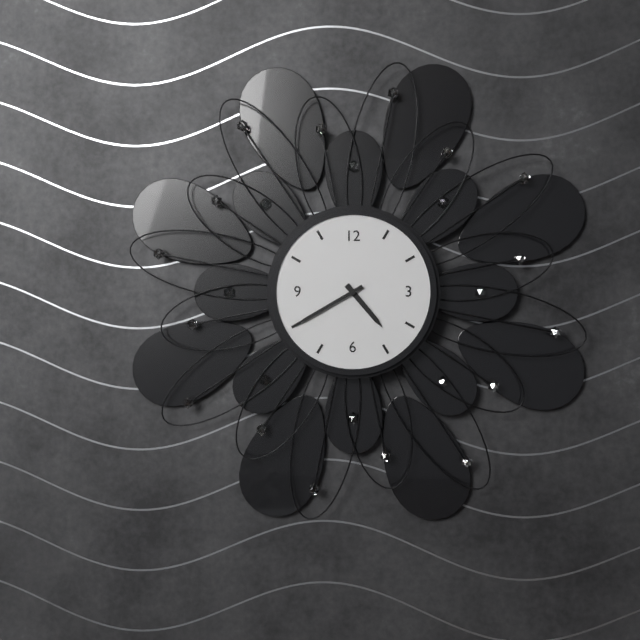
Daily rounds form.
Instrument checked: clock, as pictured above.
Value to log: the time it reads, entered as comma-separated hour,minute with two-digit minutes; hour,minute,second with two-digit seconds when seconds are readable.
4,40
